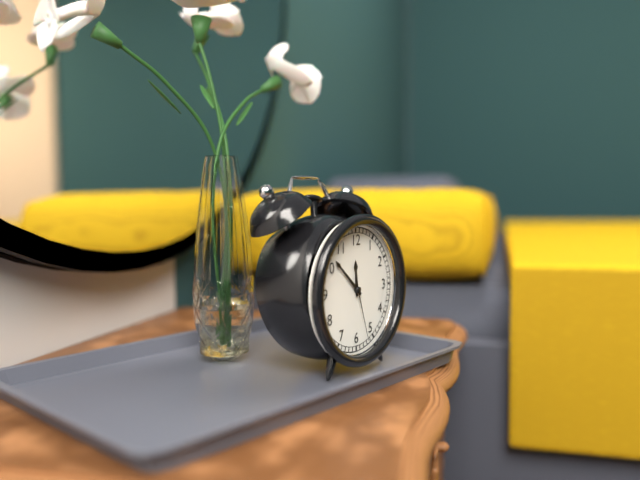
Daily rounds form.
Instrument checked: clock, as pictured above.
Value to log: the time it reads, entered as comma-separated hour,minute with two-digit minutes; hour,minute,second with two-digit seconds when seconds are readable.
11,52,27
